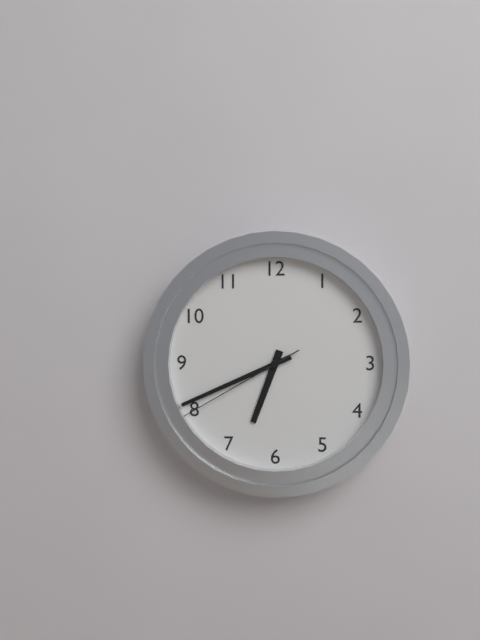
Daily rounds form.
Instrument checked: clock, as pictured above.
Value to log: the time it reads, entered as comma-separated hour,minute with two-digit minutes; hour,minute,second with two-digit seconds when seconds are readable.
6,41,40
